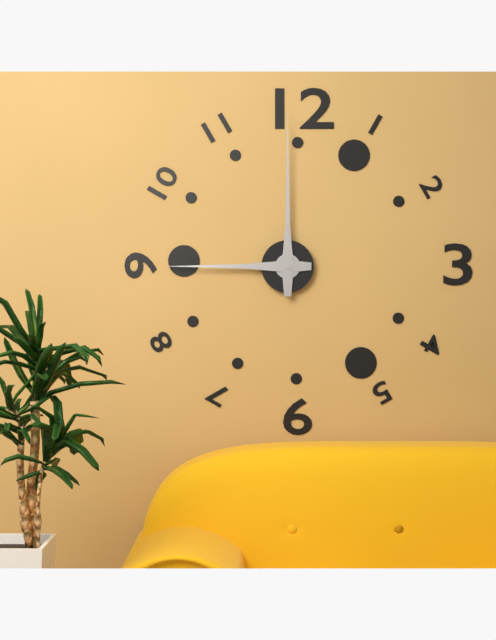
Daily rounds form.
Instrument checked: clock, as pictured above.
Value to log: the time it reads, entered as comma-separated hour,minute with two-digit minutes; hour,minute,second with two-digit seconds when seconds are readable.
9,00
